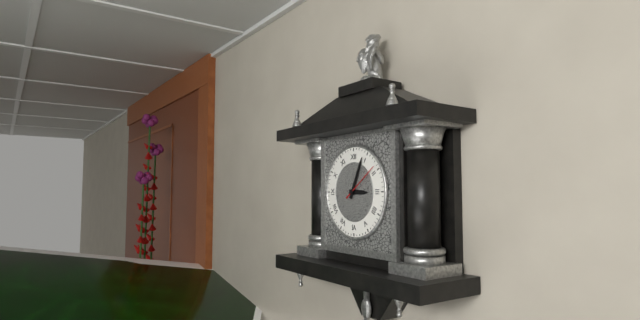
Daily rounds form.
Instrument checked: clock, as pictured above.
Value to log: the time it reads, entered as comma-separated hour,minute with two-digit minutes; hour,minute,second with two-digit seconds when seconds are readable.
3,04
